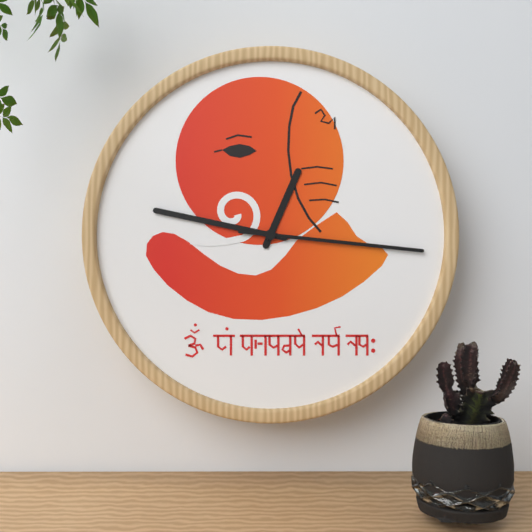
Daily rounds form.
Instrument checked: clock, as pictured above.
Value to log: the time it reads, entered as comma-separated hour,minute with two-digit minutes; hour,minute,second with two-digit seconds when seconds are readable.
12,47,16
